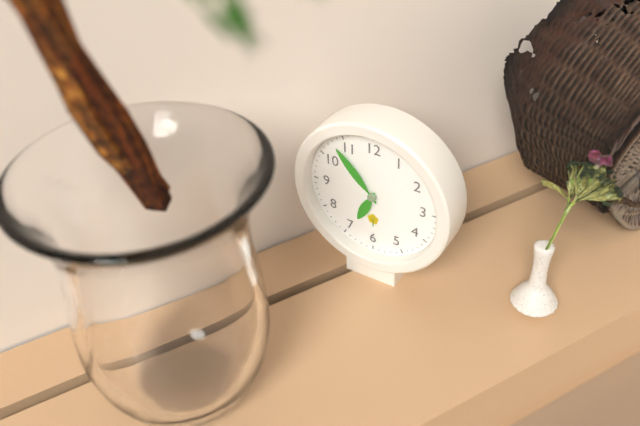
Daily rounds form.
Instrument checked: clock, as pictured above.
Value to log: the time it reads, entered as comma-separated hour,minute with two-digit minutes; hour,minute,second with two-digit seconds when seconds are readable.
6,53
